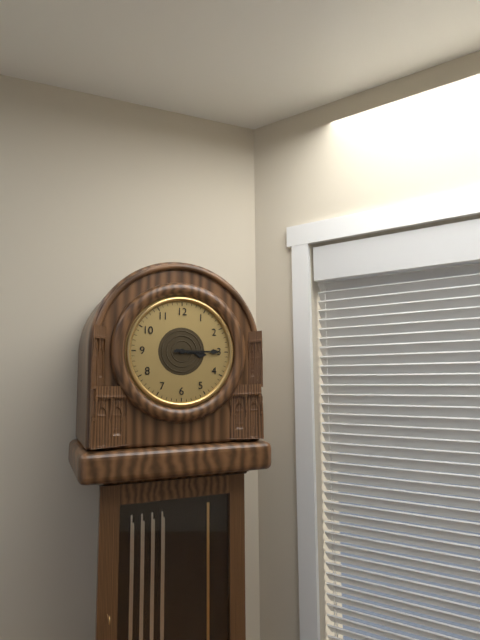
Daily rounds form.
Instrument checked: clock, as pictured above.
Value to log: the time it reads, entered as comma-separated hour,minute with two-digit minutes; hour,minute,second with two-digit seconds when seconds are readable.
3,15
